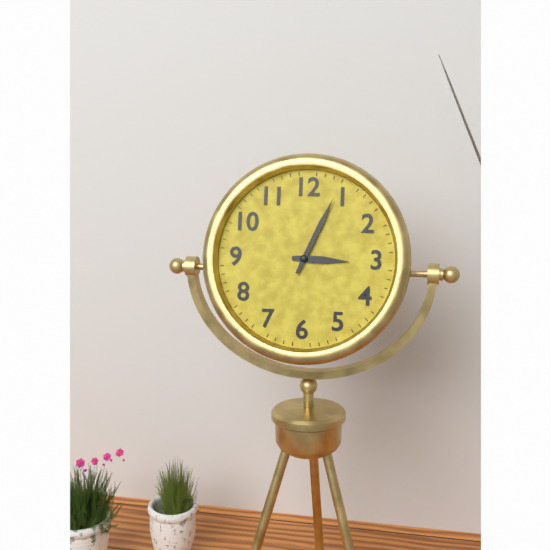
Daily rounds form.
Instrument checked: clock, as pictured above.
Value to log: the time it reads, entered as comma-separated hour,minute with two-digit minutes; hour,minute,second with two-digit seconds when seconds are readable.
3,04
